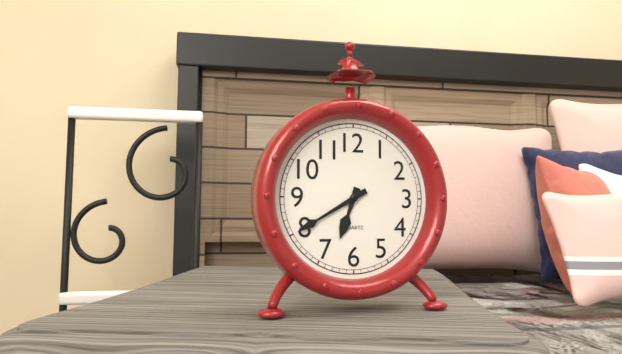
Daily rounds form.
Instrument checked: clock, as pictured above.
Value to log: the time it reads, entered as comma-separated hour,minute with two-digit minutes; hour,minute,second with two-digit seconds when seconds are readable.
6,40
